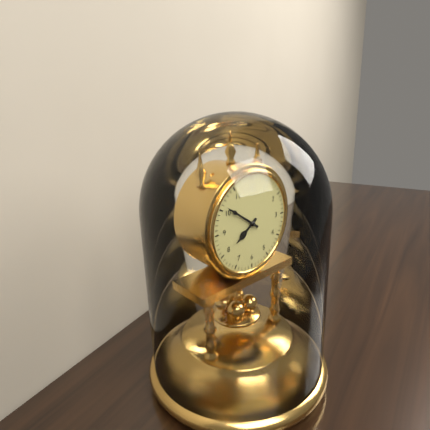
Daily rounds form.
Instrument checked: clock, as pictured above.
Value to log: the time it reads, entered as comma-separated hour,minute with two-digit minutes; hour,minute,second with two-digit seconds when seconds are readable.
7,51
